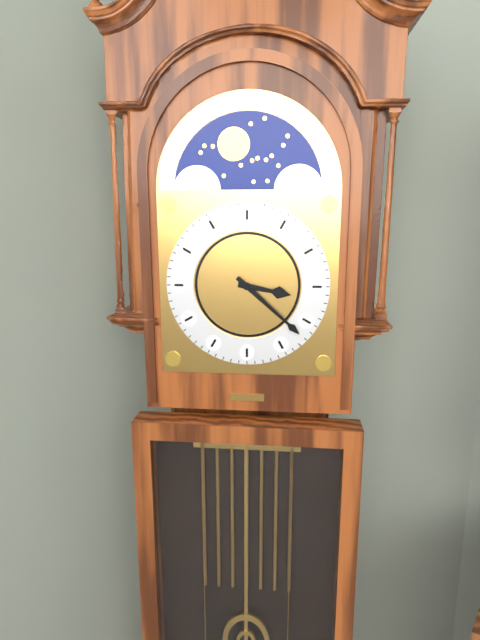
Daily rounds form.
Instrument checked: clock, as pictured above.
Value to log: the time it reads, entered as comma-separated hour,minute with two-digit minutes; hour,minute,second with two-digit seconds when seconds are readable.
3,22
